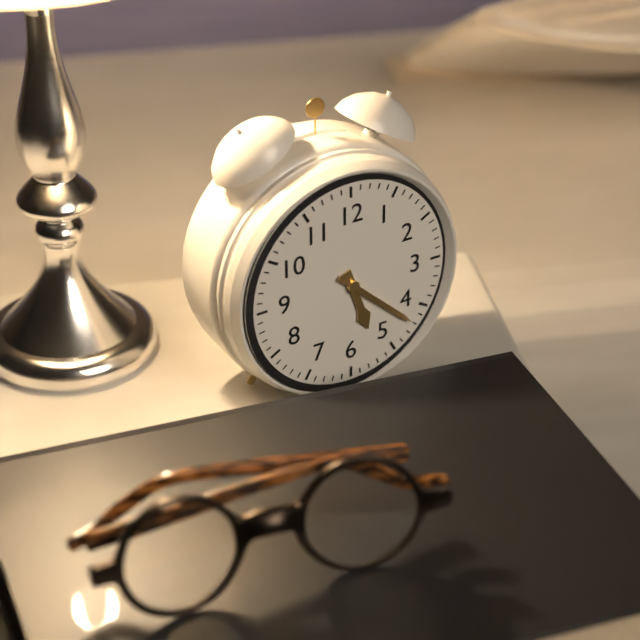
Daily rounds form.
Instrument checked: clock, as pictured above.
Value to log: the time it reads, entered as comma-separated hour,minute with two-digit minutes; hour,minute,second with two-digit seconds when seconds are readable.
5,22
